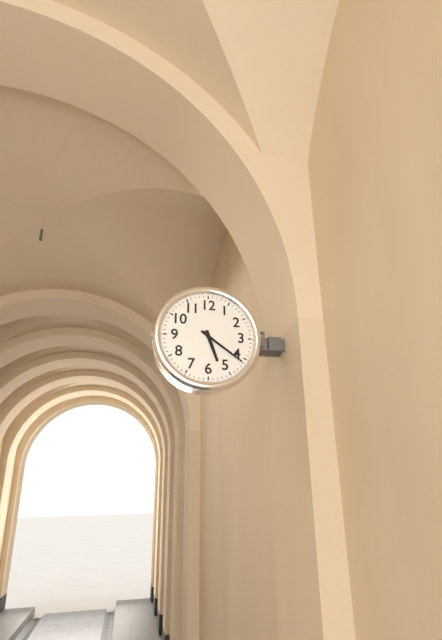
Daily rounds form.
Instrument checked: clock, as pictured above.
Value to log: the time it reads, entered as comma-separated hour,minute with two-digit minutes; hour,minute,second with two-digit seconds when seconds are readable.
5,21
